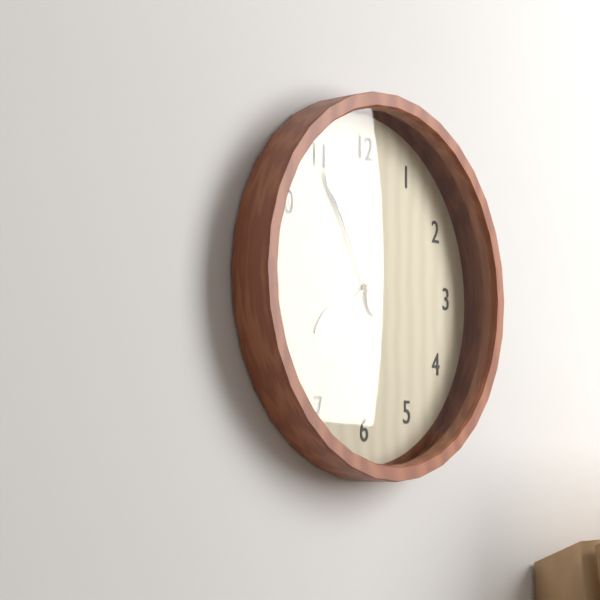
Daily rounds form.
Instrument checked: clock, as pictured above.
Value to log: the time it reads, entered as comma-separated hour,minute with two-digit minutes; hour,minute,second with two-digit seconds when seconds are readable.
7,55
